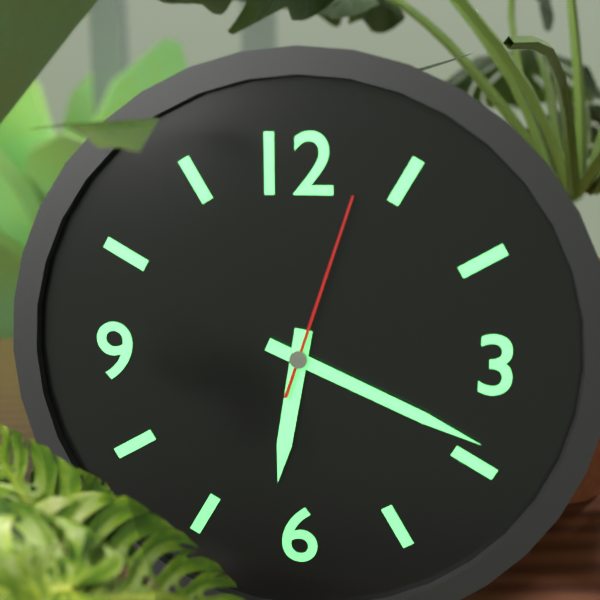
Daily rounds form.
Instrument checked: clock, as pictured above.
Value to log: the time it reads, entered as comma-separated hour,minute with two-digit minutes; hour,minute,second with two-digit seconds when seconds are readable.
6,19,03
